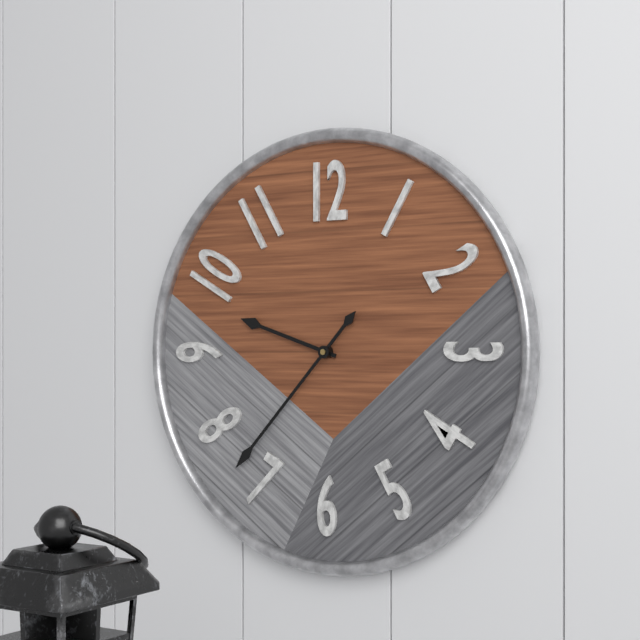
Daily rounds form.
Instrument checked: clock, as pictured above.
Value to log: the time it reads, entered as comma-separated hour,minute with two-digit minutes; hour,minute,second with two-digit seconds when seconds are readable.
9,37
